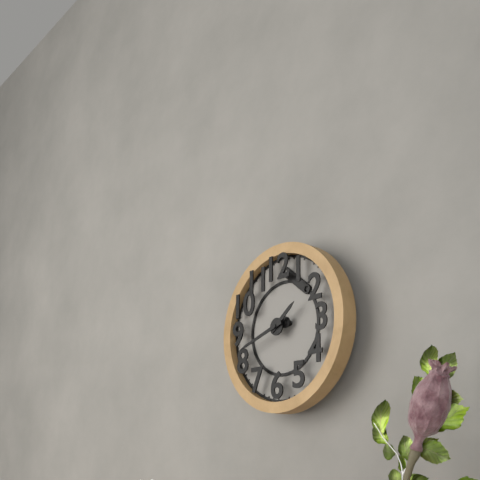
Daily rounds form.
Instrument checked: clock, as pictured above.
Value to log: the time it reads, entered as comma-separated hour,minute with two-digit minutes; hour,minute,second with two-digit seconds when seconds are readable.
1,42
